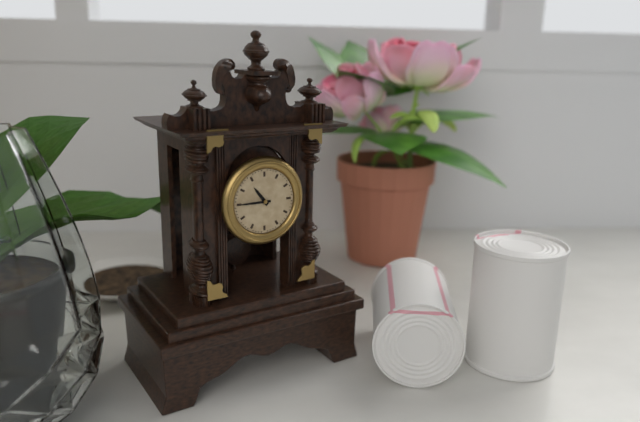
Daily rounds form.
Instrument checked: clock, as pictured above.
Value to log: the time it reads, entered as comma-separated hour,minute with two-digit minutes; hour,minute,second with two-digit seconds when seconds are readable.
10,45
